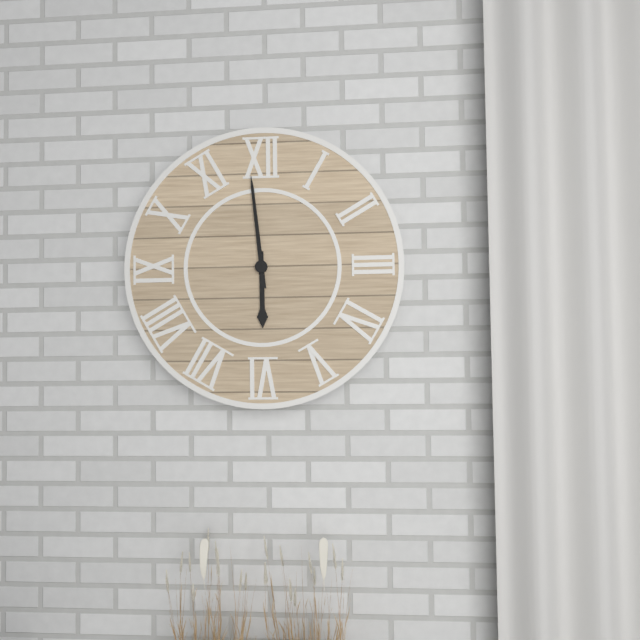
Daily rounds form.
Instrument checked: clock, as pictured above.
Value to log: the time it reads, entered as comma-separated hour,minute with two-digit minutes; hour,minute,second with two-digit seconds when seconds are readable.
5,59
